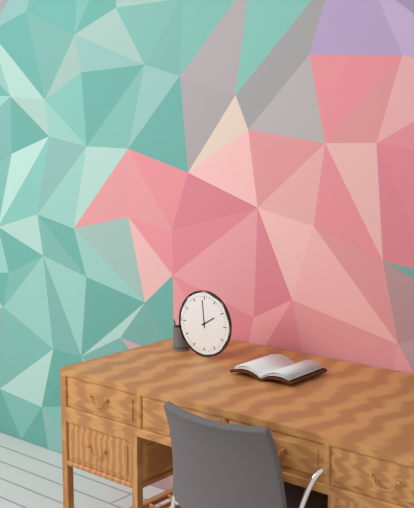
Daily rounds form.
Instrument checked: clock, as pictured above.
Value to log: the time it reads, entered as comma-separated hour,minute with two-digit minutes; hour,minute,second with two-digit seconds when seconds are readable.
1,59
